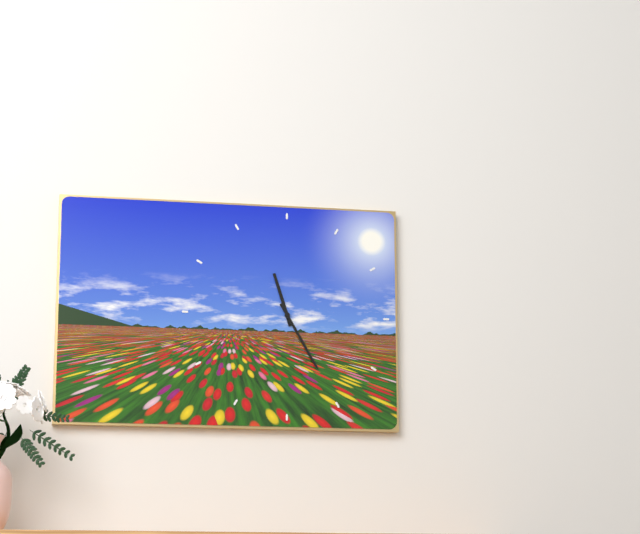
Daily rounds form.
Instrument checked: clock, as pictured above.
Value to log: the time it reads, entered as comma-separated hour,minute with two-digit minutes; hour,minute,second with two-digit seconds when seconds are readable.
11,25
